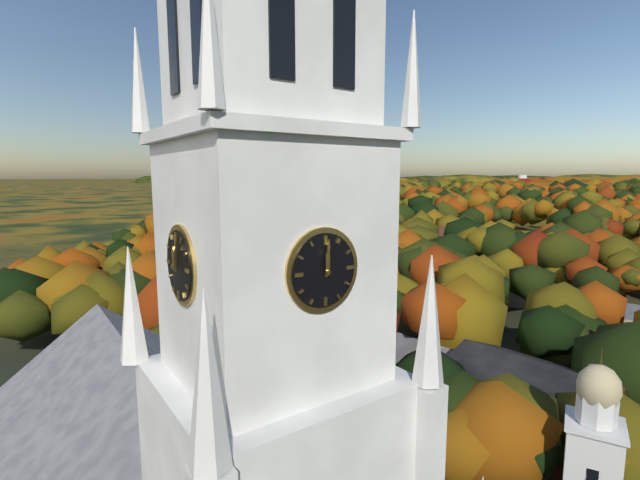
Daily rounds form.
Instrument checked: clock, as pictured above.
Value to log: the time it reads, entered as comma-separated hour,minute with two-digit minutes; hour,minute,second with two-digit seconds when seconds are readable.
12,01
